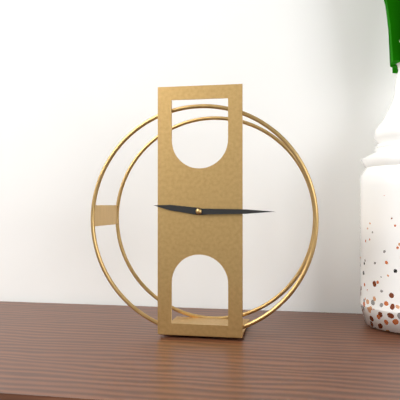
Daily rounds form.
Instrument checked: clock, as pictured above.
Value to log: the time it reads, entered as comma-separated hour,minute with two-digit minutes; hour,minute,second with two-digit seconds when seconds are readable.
9,15
